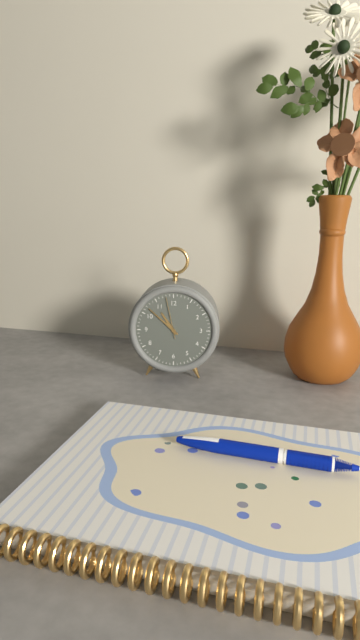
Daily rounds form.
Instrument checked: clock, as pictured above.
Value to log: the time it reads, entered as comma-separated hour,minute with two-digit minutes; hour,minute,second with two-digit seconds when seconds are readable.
10,52
